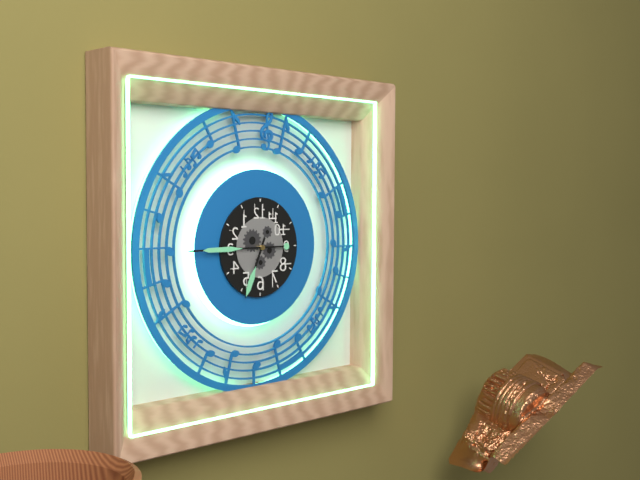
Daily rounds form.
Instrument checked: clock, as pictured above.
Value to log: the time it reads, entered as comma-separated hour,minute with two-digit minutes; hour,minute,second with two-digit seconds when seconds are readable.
6,45
